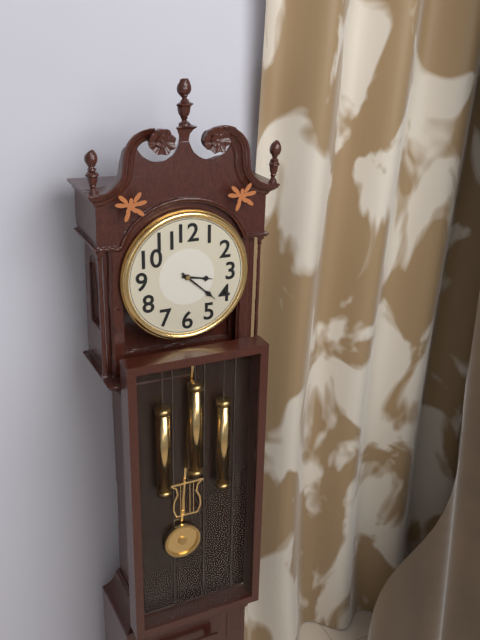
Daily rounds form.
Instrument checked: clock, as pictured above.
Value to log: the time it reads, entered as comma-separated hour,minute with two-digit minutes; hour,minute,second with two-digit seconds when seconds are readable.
3,22
